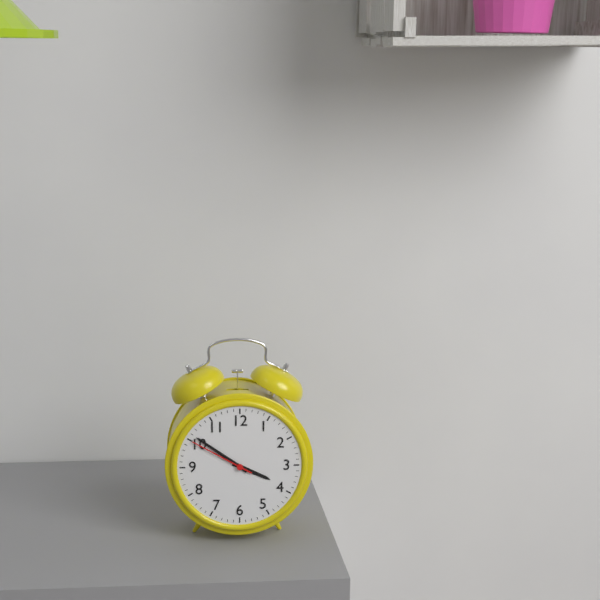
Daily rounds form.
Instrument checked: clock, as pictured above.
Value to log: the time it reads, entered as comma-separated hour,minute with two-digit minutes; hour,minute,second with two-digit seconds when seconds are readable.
3,51,50
